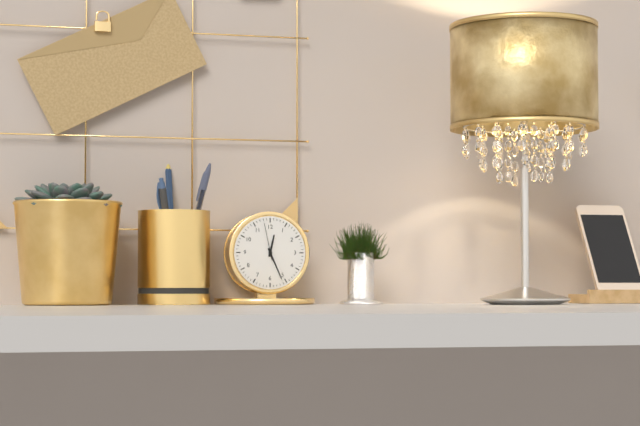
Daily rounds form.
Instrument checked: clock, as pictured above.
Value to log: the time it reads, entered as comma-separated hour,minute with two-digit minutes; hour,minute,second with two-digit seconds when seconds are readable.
12,26
